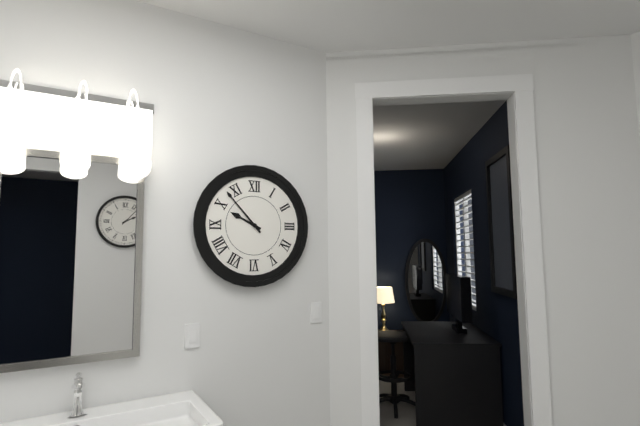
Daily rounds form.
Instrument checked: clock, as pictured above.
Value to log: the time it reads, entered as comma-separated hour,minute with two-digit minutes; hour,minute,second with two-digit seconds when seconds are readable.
9,53
